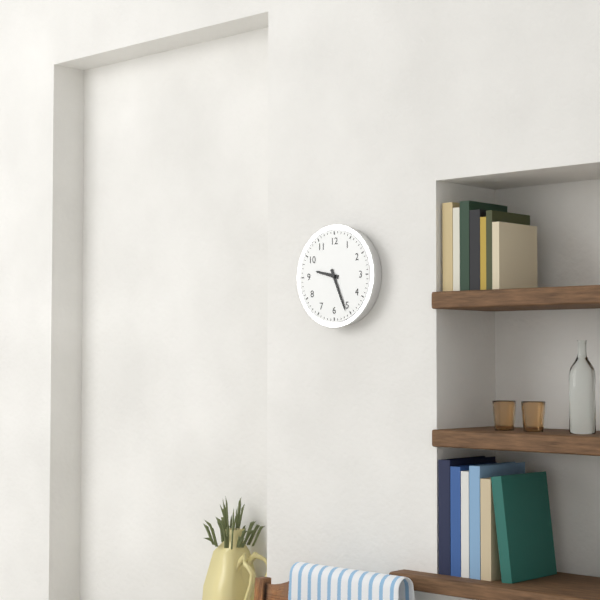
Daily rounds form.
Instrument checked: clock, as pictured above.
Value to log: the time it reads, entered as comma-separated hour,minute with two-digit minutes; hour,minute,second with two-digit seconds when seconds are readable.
9,26
